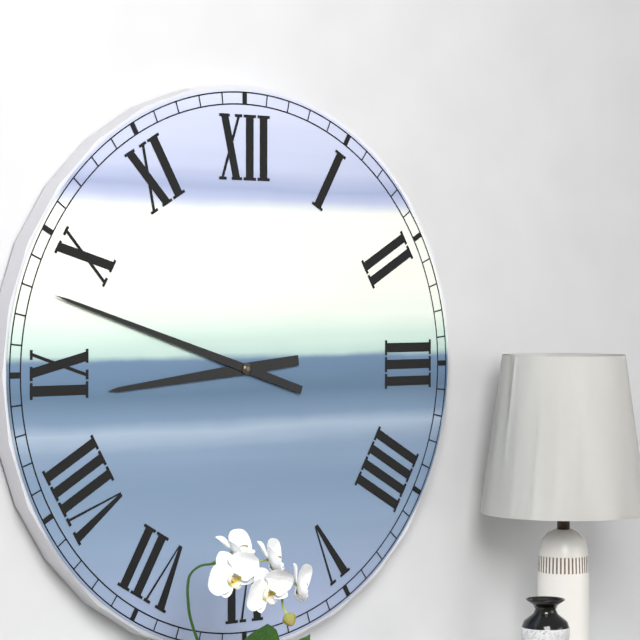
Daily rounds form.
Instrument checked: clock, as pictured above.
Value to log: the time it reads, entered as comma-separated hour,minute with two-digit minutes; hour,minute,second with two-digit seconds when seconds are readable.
8,48
